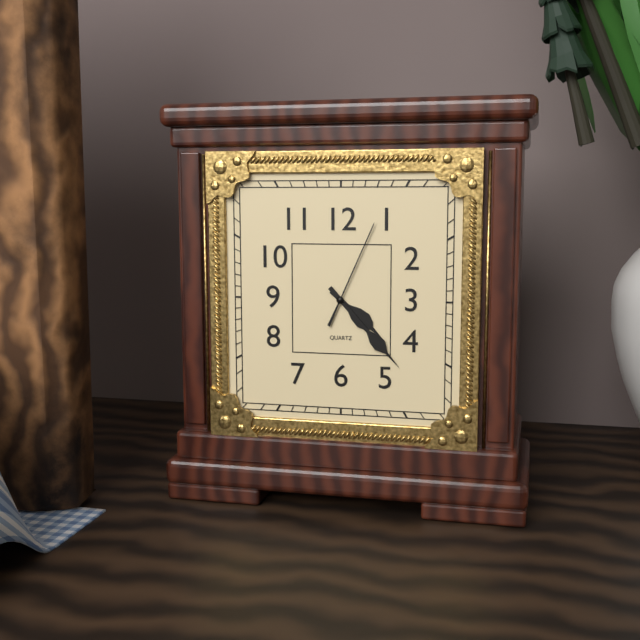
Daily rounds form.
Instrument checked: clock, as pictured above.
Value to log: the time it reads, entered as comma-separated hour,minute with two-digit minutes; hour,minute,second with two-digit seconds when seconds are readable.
4,23,04
